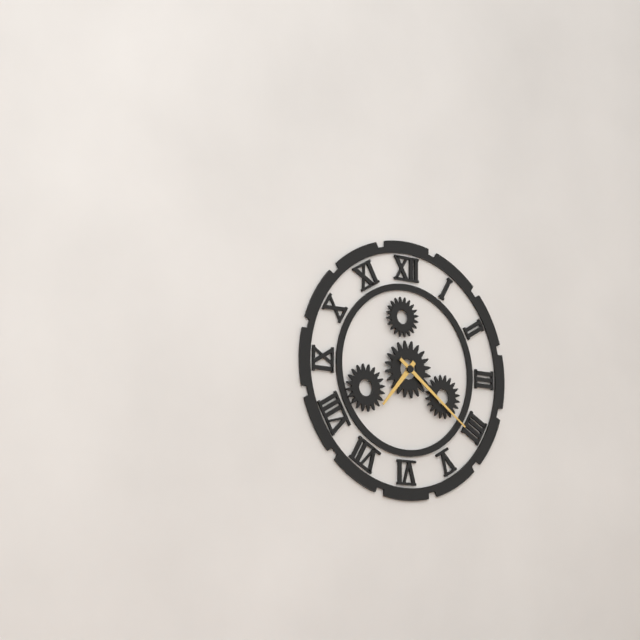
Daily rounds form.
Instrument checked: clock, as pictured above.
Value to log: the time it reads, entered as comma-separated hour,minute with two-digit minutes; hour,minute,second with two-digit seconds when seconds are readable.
7,21
